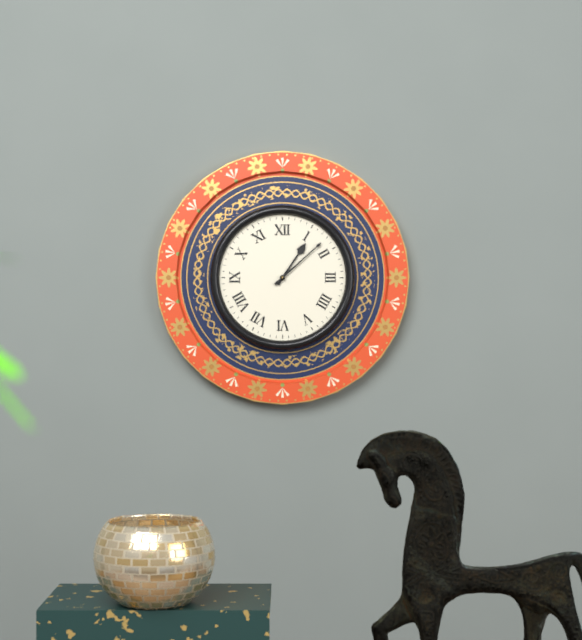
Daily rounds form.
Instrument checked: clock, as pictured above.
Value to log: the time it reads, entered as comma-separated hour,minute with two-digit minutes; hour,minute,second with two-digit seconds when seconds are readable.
1,08
